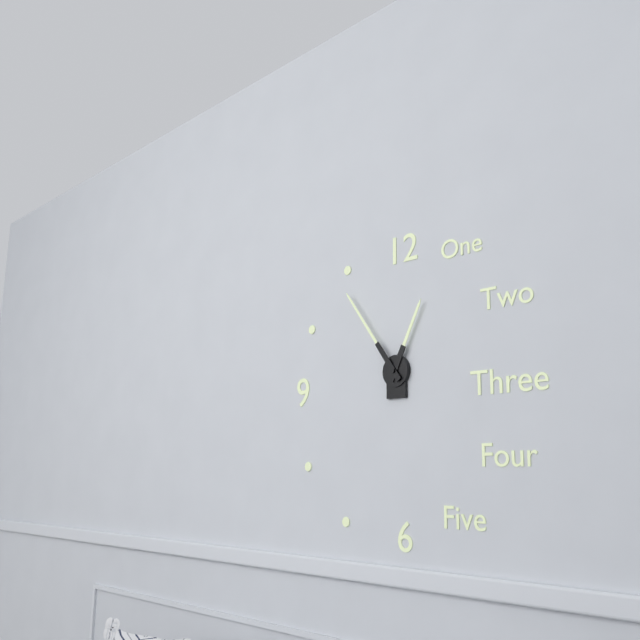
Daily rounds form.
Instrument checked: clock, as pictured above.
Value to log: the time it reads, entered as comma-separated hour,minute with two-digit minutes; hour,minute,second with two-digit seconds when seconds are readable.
12,54
